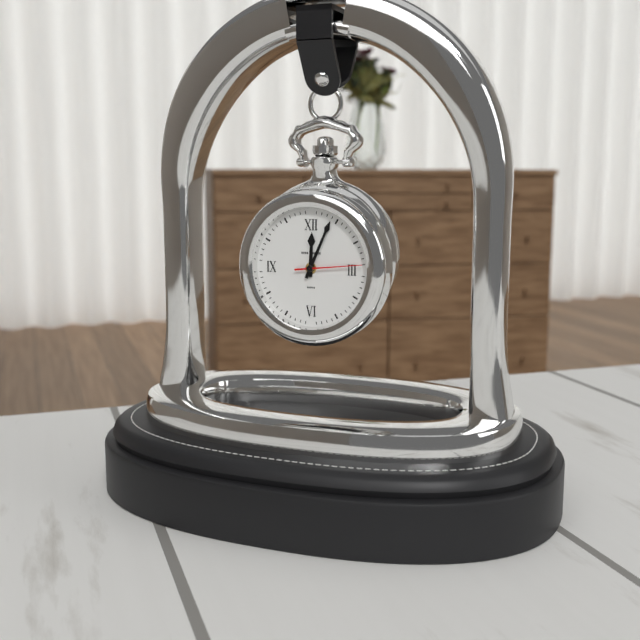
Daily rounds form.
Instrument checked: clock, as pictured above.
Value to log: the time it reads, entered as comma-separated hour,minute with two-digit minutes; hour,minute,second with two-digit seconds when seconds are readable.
12,04,14
